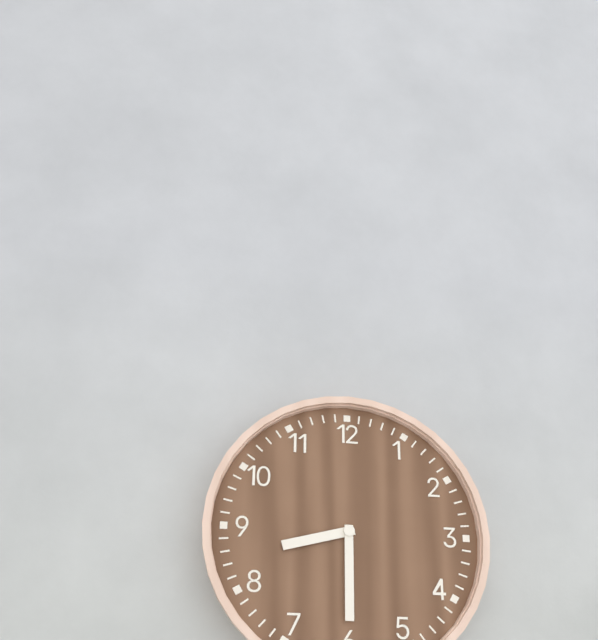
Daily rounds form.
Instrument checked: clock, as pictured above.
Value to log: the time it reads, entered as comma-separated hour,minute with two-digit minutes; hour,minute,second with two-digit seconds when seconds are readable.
8,30
